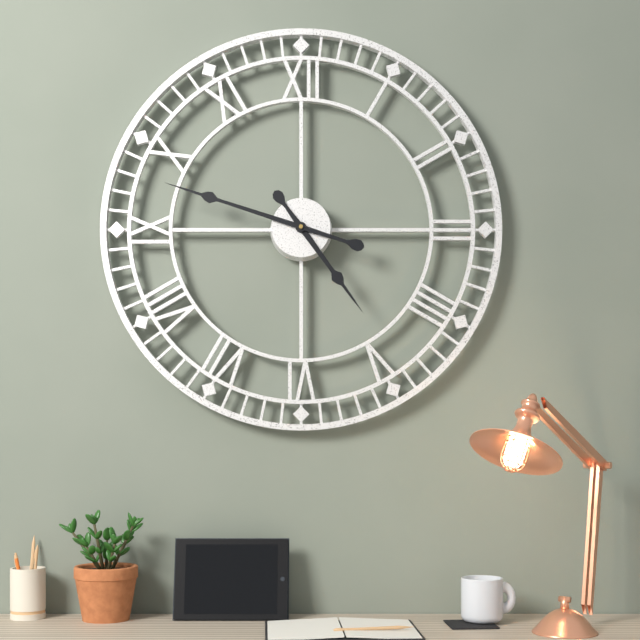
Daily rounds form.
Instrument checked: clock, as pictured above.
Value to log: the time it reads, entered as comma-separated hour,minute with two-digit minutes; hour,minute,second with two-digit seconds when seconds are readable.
4,48
